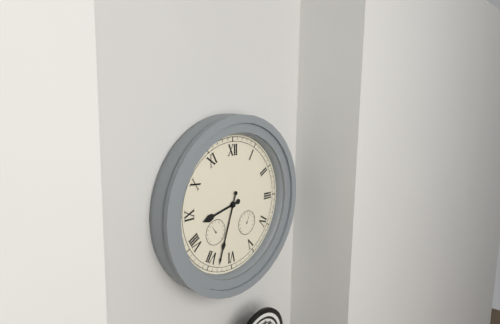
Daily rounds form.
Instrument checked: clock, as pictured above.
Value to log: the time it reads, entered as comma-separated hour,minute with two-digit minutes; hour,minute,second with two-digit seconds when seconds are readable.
8,33
